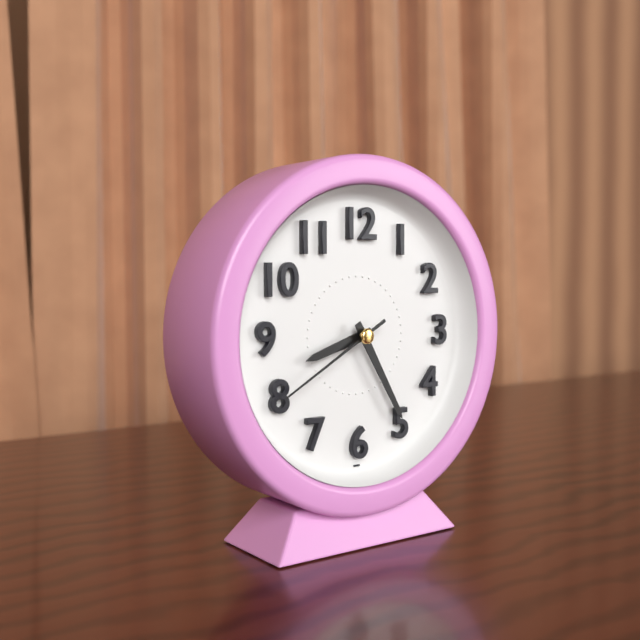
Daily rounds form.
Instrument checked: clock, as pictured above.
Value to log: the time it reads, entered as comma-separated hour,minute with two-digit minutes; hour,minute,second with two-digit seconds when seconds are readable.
8,25,40
